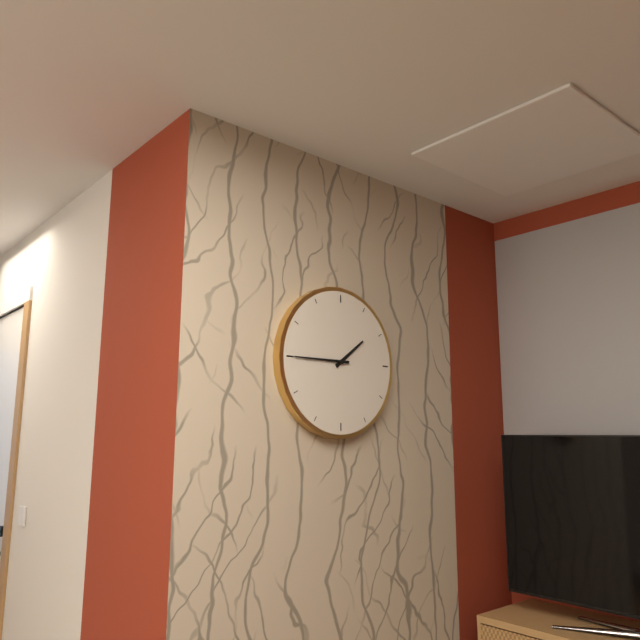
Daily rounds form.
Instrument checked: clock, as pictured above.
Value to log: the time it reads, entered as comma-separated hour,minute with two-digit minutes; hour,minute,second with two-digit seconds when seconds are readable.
1,45
